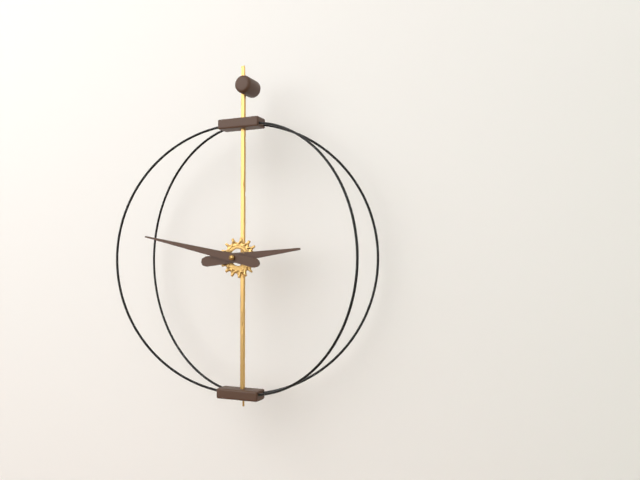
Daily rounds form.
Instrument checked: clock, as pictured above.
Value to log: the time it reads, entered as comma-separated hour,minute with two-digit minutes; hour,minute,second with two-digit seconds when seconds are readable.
2,47
